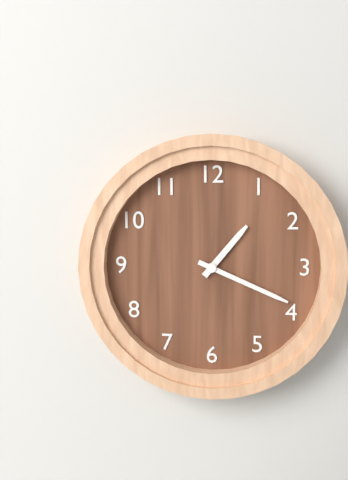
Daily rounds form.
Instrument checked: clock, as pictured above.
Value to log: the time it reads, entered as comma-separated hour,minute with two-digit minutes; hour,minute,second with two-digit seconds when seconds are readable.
1,19
